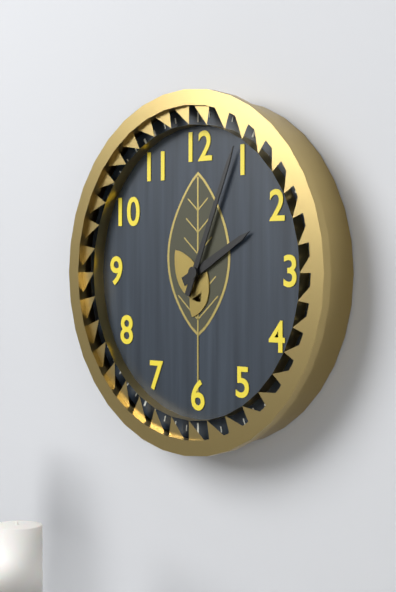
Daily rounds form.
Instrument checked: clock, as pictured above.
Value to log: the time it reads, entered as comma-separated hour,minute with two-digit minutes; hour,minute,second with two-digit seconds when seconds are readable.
2,04
